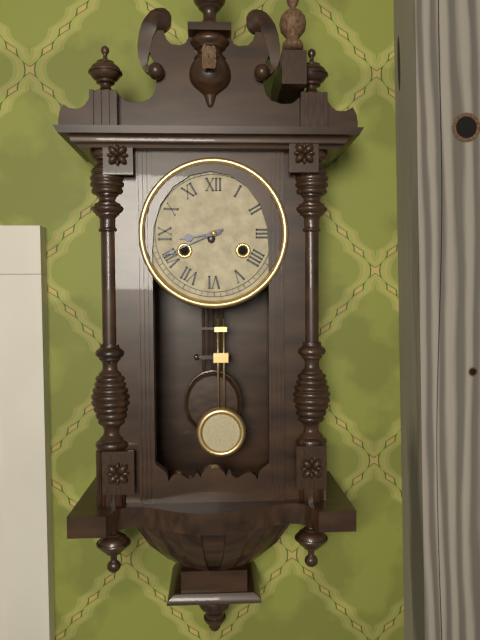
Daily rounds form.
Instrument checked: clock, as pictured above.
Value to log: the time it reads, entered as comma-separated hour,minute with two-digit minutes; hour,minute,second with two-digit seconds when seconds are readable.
8,41
